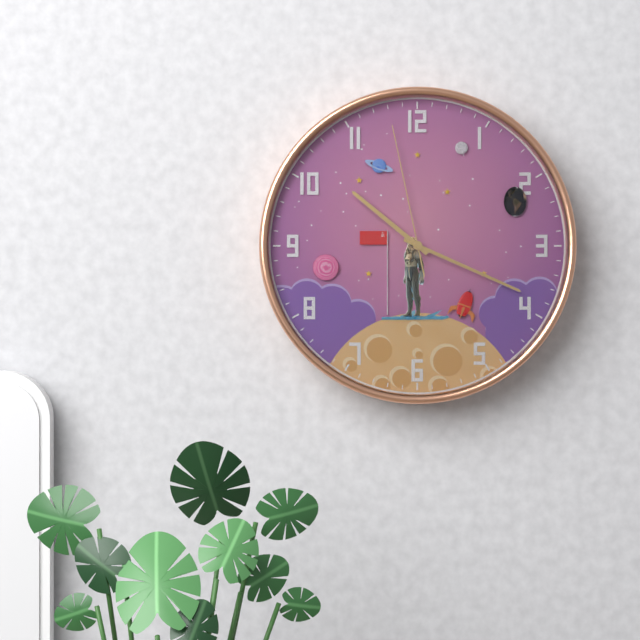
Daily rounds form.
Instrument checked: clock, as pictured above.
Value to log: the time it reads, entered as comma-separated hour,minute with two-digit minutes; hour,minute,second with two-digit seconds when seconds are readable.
10,19,58
